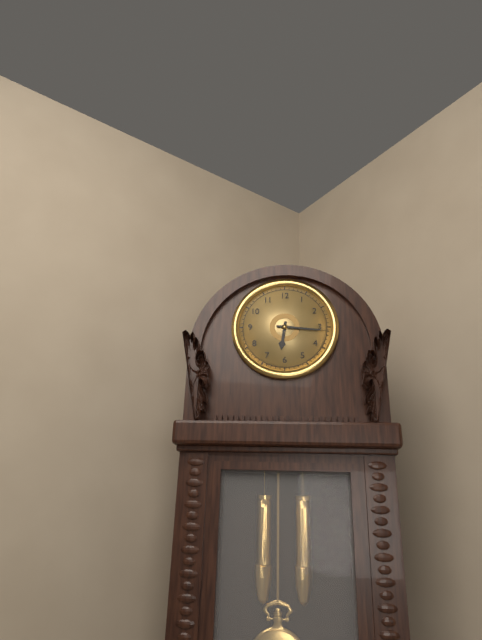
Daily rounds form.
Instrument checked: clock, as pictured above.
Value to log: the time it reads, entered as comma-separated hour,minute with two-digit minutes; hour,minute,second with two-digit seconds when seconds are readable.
6,16
